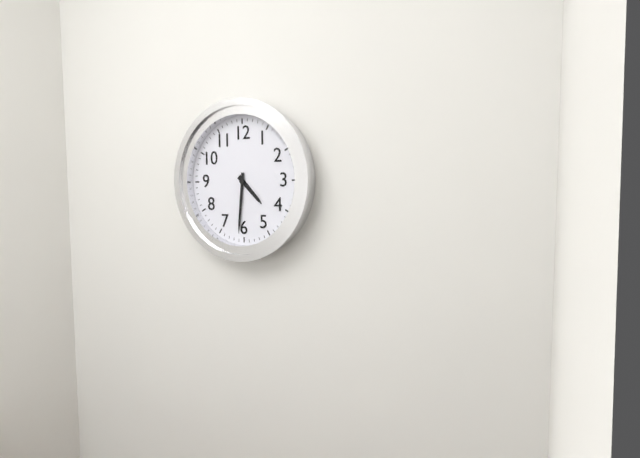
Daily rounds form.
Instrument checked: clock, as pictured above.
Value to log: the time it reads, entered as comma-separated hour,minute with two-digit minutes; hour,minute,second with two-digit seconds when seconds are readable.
4,31
